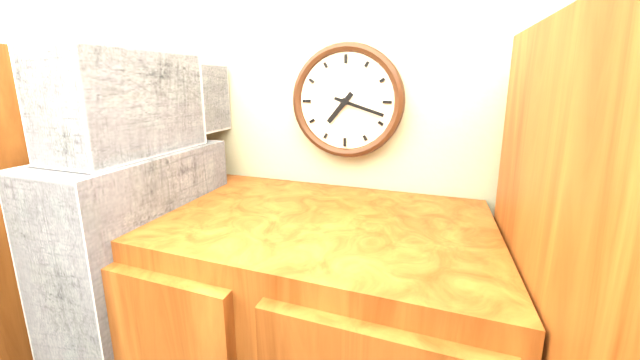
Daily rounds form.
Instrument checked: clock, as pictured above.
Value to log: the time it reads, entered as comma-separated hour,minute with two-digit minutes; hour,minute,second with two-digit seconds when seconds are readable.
7,18
